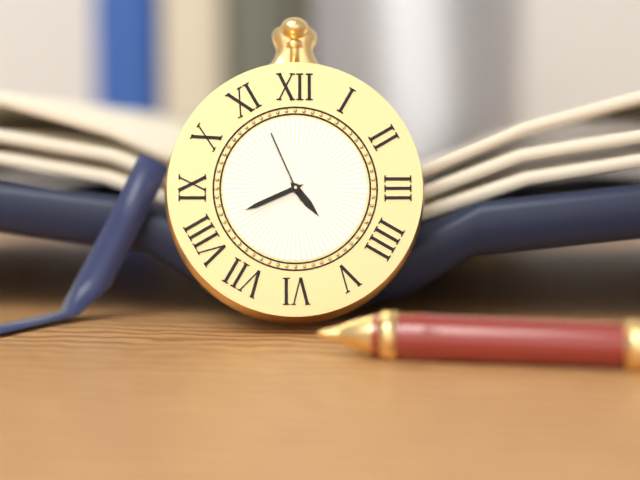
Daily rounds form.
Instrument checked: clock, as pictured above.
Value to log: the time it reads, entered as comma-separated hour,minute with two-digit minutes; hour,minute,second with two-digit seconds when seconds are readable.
4,41,56
